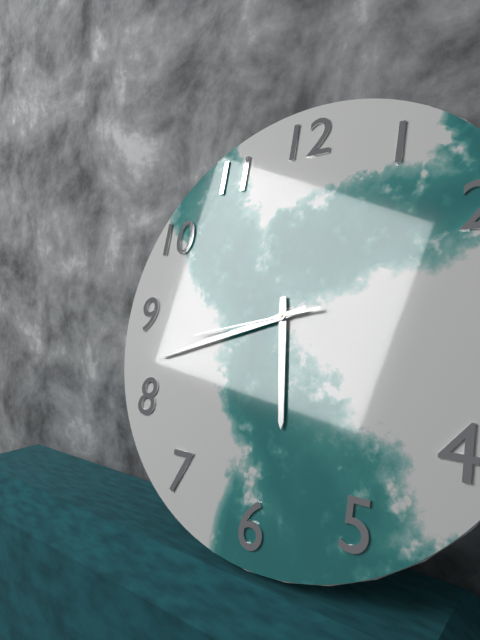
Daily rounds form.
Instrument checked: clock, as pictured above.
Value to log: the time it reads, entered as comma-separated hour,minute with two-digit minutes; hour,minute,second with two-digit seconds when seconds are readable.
5,42,43
